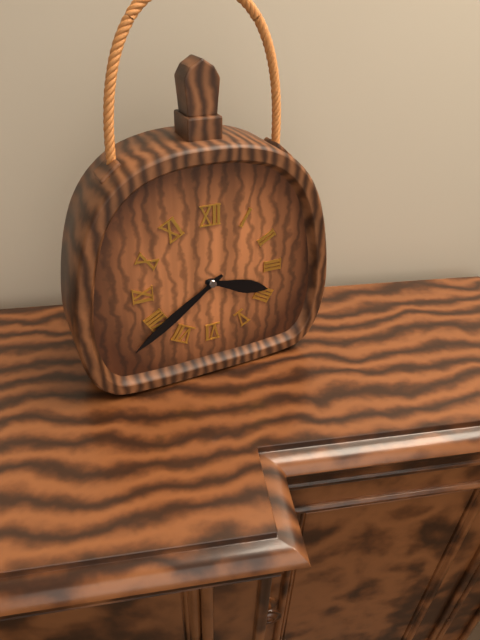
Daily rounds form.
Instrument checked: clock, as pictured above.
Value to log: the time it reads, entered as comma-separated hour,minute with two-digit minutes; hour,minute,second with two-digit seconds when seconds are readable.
3,39
